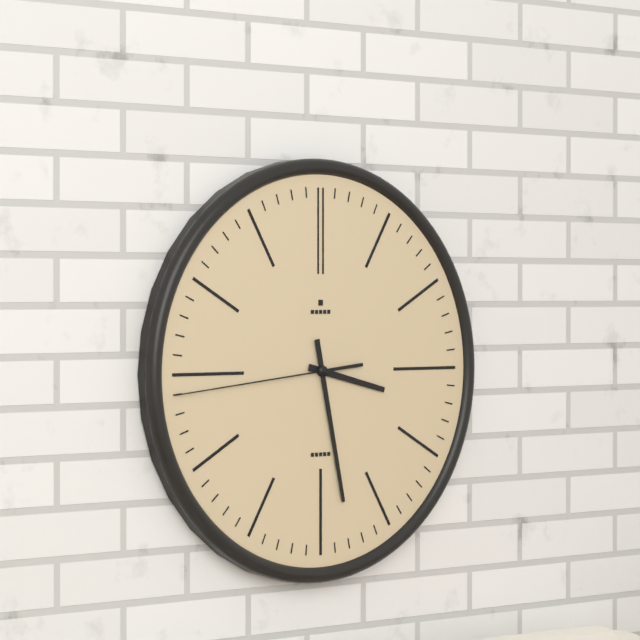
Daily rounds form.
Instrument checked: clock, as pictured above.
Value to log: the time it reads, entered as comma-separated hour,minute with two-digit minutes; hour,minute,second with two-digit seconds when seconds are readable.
3,28,44
